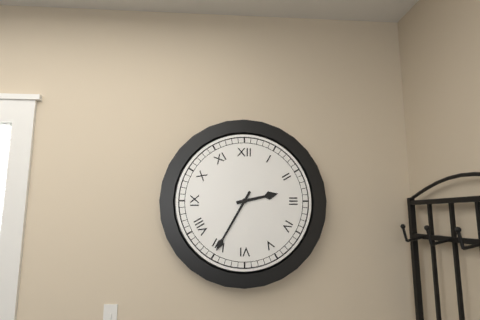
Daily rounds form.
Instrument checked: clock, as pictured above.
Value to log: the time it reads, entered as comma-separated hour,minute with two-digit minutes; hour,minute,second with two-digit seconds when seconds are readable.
2,35
